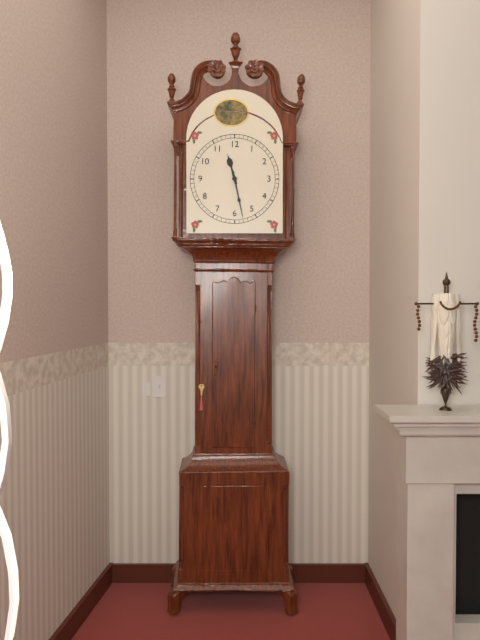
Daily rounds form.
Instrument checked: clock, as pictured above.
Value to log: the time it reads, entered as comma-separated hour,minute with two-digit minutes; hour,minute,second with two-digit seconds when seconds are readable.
11,28
